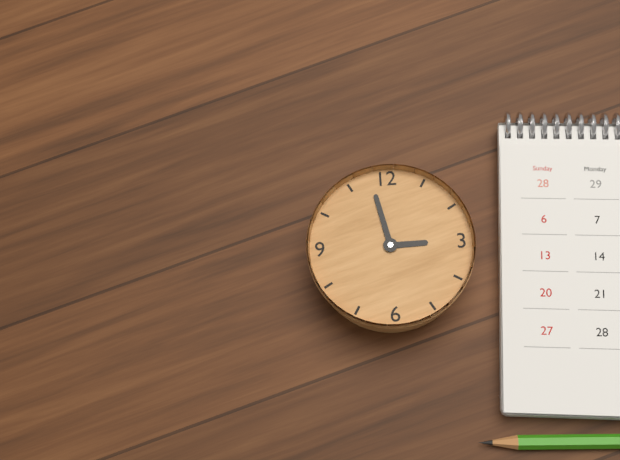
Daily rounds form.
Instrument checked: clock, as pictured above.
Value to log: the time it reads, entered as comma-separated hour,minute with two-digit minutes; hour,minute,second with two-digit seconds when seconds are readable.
2,58
